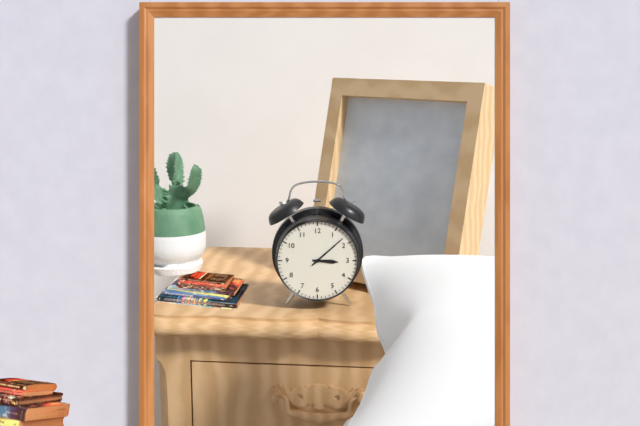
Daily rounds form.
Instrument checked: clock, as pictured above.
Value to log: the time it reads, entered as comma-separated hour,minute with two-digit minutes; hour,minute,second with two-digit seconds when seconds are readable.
3,08
